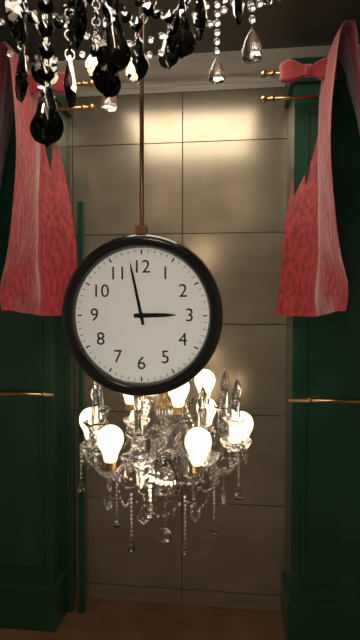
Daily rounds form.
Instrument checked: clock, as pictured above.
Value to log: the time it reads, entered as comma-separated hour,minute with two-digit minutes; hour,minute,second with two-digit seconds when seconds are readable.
2,58
